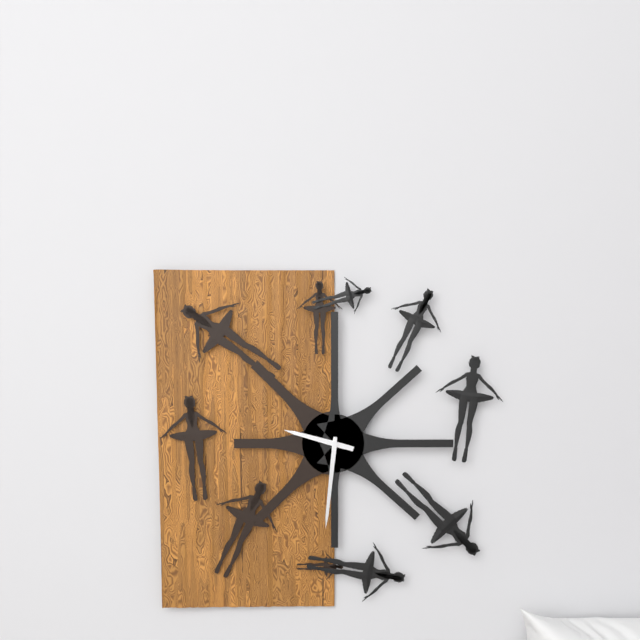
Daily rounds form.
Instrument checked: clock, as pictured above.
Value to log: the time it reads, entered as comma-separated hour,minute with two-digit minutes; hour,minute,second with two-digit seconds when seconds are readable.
9,31
